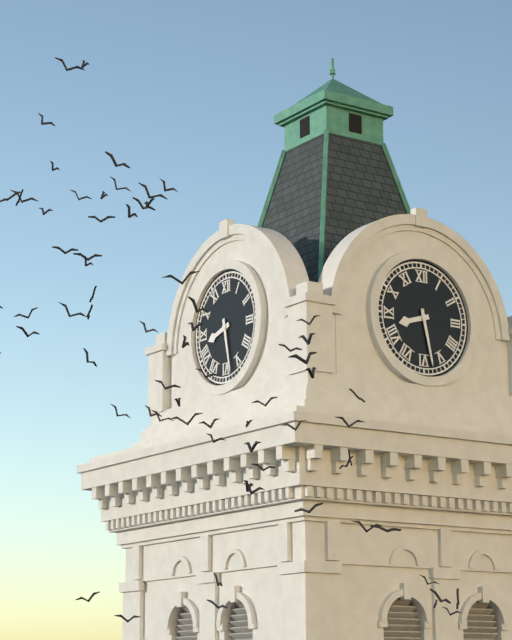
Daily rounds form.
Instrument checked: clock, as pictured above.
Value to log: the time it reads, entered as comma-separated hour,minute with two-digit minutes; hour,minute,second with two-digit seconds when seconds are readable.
8,28
